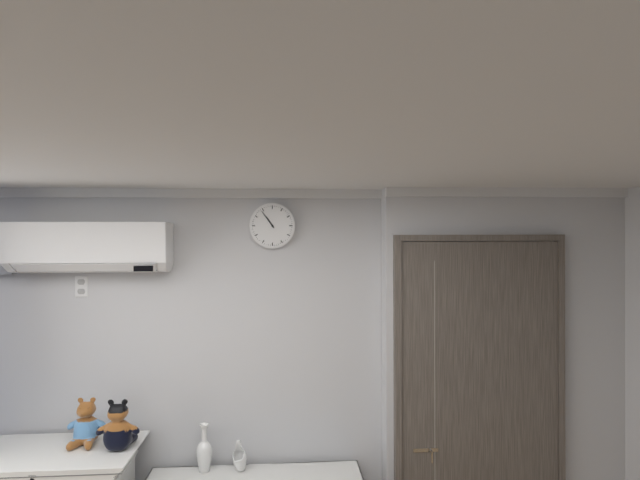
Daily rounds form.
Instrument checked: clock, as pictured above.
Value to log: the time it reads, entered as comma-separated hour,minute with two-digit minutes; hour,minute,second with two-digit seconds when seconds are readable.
10,54
